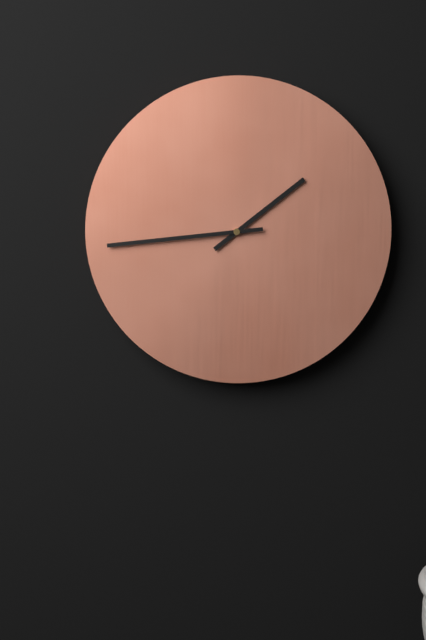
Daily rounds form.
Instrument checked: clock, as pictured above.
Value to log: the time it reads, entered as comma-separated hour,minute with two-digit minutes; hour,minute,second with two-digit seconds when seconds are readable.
1,44
